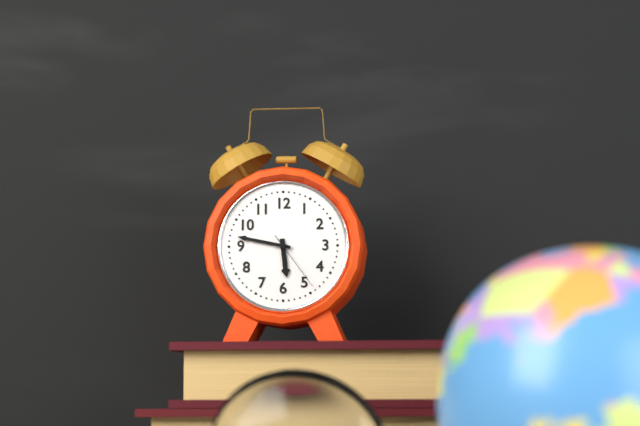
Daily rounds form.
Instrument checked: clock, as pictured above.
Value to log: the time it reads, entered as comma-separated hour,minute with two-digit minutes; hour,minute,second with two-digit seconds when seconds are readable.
5,47,24
